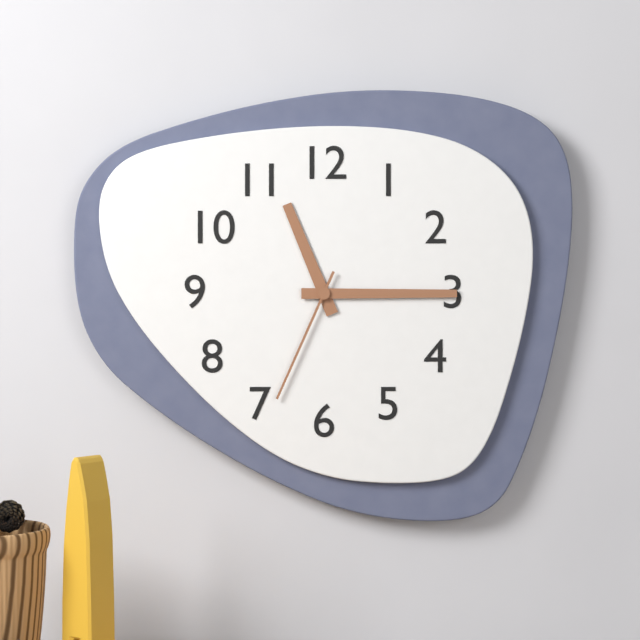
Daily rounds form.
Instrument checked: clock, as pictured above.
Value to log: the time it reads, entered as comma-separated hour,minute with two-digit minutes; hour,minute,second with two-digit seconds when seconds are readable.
11,15,34
